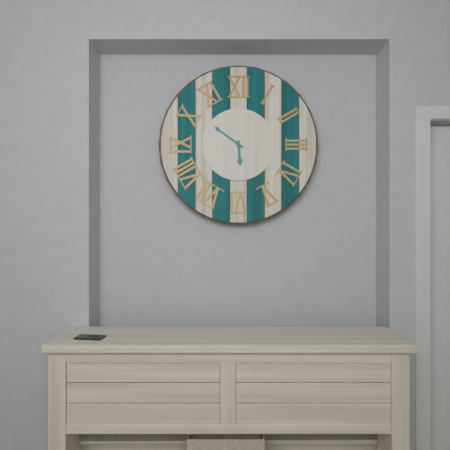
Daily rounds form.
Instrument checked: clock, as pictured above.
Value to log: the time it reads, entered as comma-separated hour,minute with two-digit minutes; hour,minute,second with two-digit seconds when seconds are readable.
5,51
